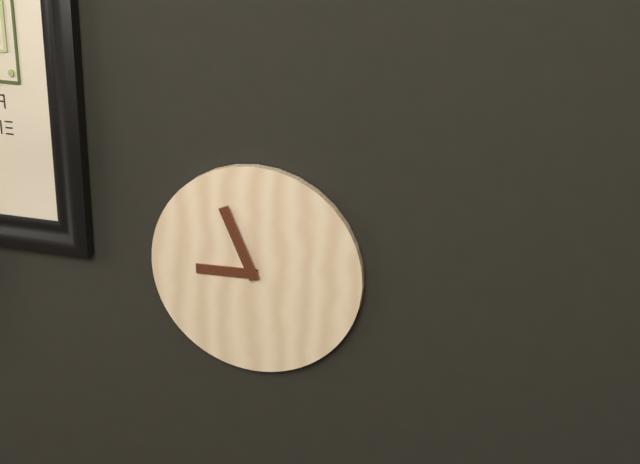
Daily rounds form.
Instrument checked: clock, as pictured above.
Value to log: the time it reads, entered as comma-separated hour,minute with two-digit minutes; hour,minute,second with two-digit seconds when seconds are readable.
8,56
